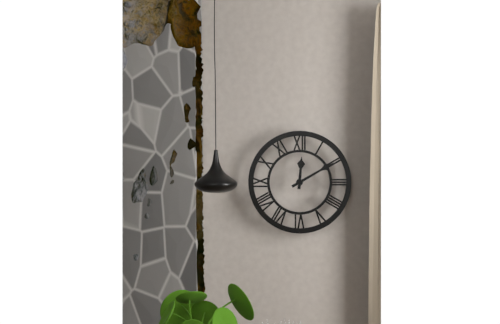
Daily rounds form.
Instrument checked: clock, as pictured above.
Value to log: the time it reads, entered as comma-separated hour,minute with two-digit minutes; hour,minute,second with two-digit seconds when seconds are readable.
12,10
